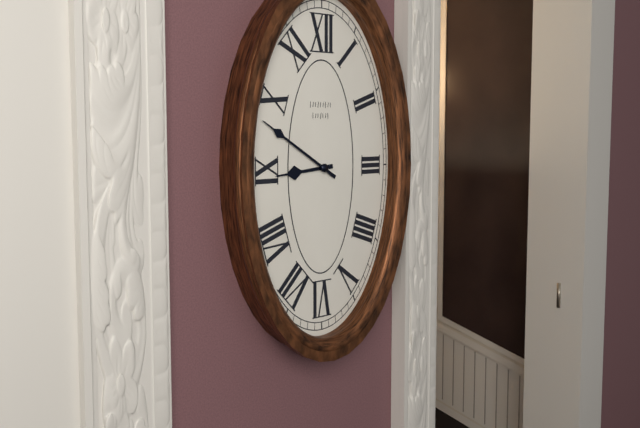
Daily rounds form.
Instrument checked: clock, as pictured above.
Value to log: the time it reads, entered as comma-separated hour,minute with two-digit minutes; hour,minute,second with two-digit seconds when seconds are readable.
8,50
